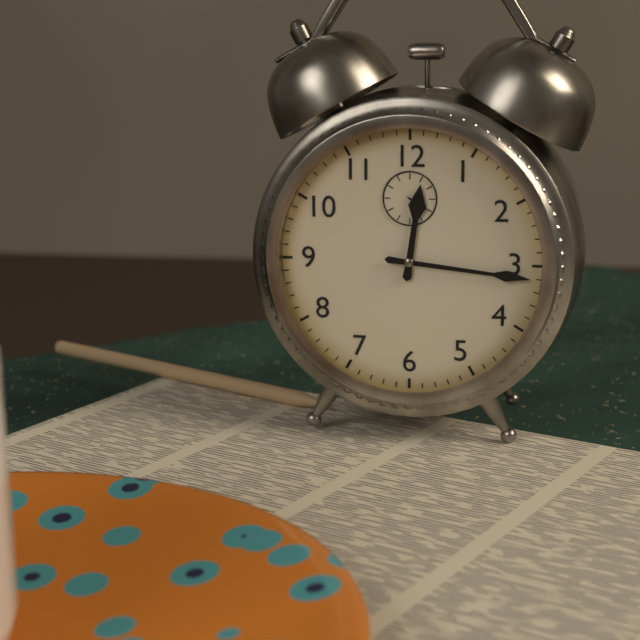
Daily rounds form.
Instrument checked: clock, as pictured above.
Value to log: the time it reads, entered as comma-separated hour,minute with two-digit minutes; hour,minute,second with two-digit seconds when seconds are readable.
12,16
